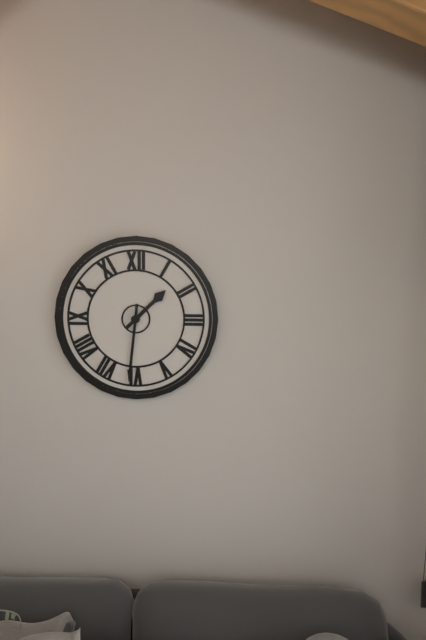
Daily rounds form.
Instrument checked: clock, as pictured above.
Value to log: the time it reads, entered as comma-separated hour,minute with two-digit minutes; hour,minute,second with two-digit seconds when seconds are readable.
1,31
